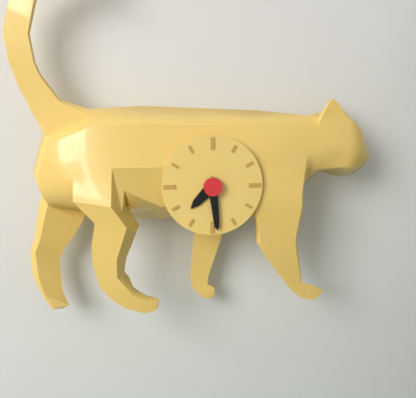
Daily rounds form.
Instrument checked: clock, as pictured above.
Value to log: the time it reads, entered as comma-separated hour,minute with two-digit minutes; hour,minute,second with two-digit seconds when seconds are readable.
7,29
